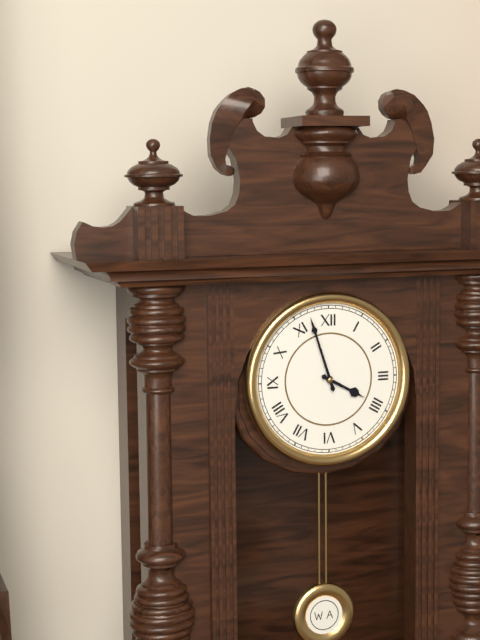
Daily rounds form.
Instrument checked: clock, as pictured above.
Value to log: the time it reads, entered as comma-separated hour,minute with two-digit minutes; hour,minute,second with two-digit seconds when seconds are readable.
3,57
